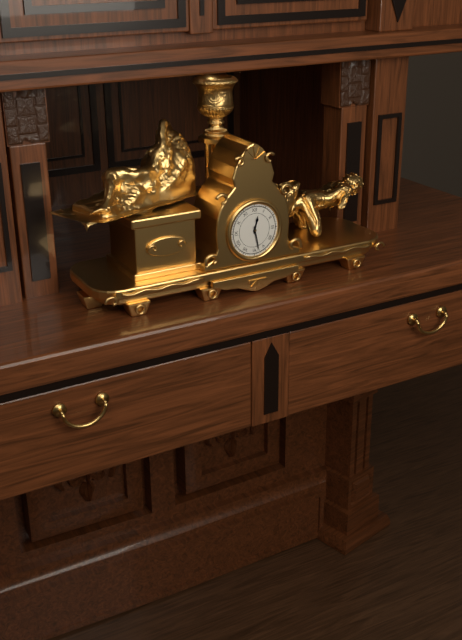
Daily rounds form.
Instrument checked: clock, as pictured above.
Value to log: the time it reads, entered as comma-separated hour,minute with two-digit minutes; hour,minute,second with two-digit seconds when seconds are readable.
12,28
